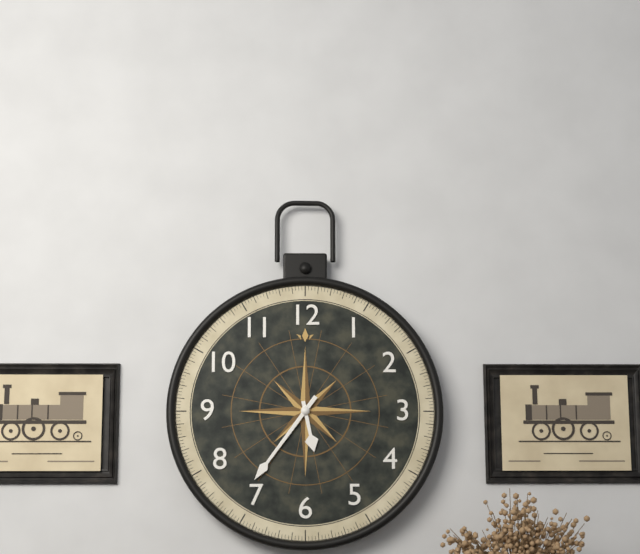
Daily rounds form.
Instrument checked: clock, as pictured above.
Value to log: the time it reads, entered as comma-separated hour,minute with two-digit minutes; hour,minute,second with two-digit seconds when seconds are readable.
5,36
